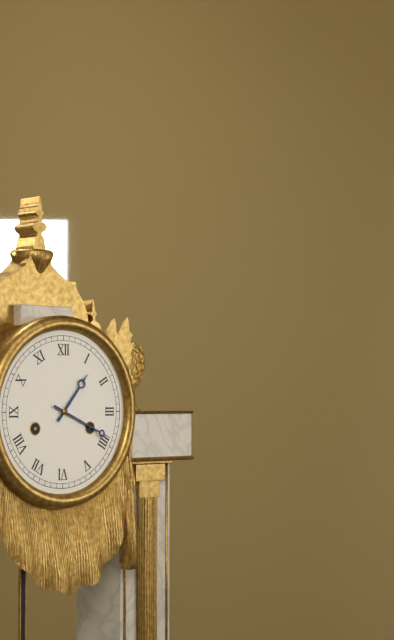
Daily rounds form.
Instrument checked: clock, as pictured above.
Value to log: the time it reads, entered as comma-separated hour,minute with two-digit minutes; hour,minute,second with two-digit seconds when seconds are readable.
1,19
